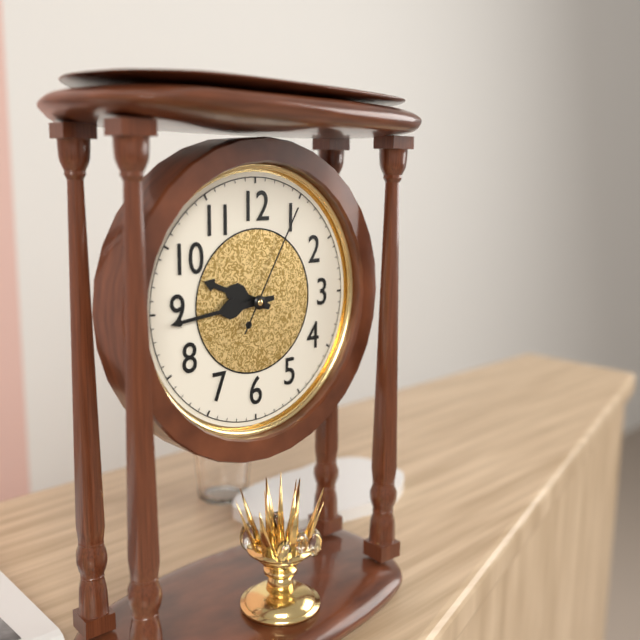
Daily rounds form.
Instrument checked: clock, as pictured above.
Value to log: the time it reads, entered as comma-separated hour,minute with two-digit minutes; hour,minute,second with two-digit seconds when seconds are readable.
9,44,05
